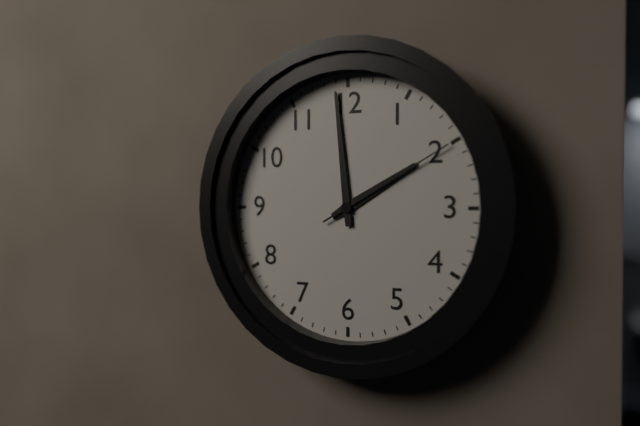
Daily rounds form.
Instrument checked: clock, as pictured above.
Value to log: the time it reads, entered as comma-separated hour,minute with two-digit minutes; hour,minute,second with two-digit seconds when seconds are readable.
1,59,10
